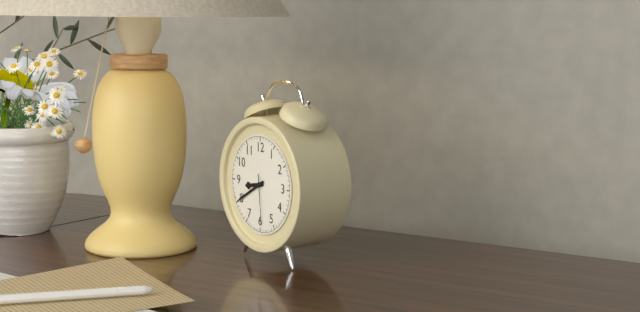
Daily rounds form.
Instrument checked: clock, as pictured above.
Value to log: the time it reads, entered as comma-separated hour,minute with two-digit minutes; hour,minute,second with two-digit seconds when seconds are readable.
8,40,29
